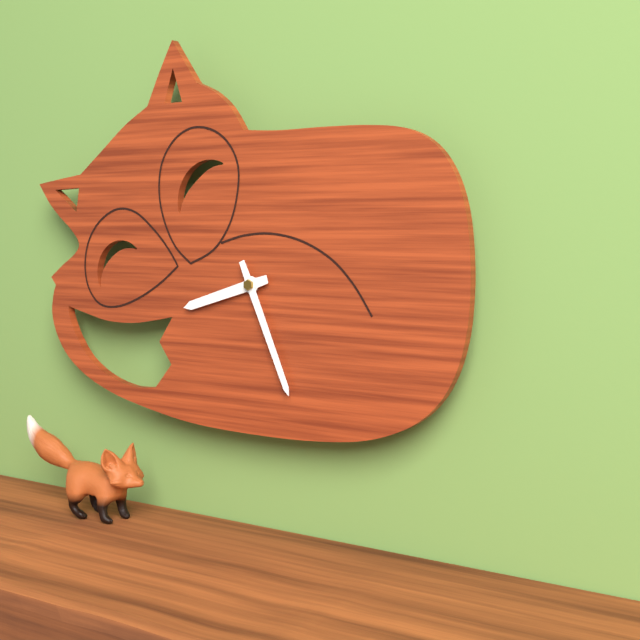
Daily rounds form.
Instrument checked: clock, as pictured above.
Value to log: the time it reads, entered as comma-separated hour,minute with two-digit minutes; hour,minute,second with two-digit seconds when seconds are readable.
8,26
